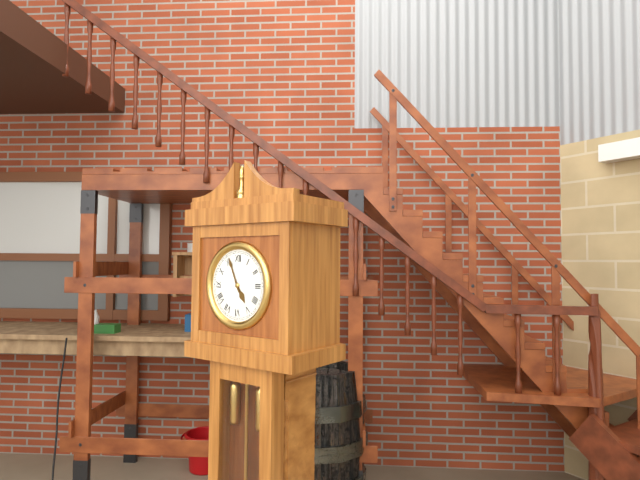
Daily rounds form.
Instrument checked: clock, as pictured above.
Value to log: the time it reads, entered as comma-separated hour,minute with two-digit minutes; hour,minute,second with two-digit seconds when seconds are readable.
4,56
